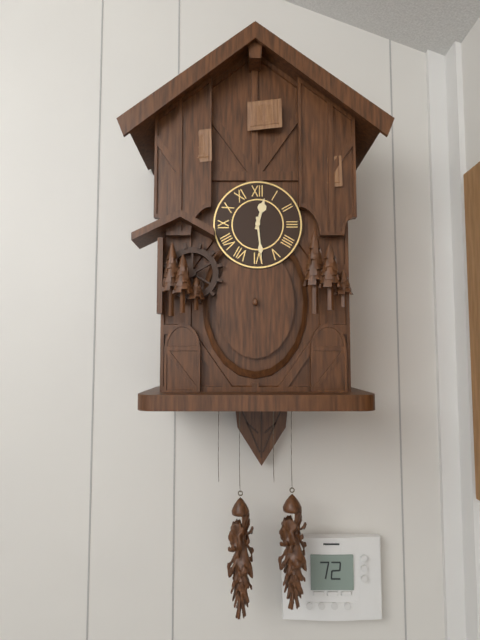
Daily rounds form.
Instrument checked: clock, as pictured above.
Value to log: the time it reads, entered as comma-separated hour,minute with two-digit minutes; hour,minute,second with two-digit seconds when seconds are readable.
12,29
